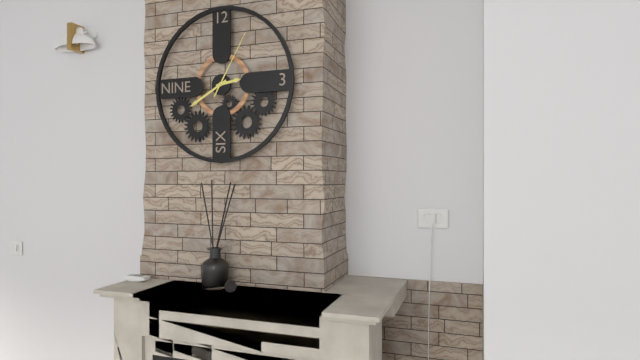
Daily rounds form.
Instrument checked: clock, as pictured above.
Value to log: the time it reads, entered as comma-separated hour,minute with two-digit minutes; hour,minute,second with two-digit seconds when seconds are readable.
2,40,05
